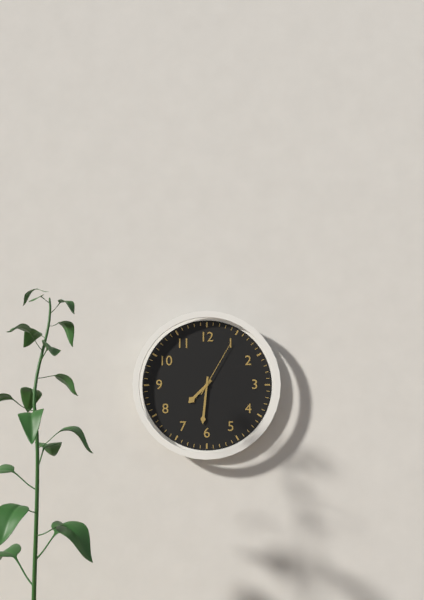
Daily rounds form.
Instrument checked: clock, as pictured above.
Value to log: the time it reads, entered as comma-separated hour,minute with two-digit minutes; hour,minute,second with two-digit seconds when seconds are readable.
7,31,05
